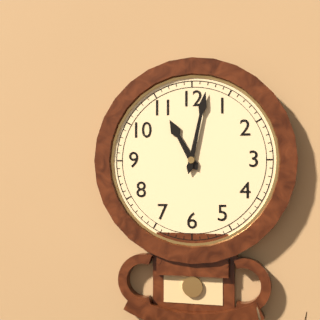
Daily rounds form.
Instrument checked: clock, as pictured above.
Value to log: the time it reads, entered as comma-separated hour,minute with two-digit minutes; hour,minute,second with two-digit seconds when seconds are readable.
11,02
